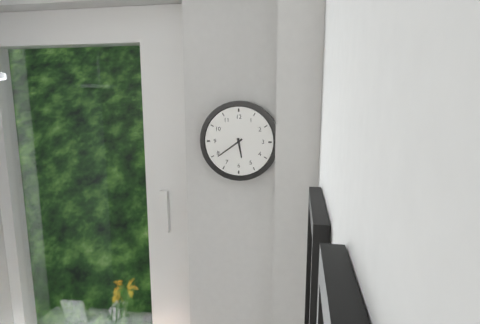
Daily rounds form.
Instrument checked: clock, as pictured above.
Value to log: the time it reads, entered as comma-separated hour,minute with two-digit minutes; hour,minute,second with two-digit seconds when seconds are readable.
5,39
